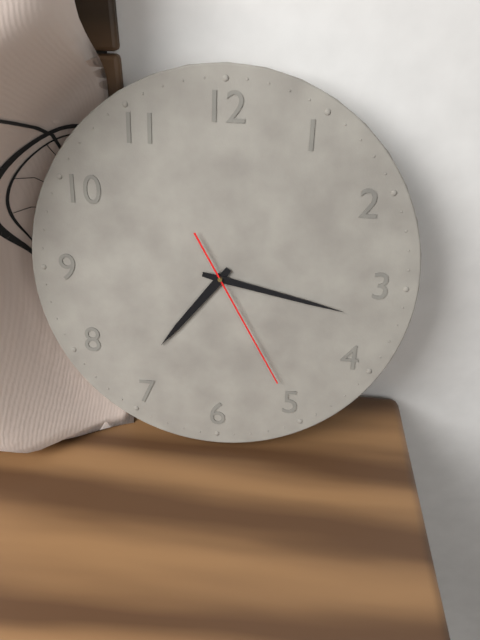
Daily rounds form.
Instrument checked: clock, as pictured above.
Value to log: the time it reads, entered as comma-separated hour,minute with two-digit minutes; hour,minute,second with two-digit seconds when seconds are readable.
7,17,25
